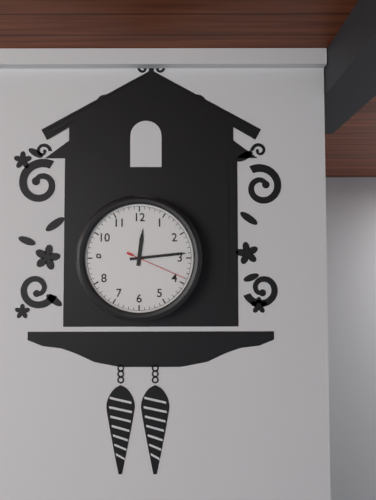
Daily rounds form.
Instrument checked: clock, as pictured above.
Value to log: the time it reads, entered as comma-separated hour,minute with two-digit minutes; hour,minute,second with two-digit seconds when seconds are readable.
12,14,19
